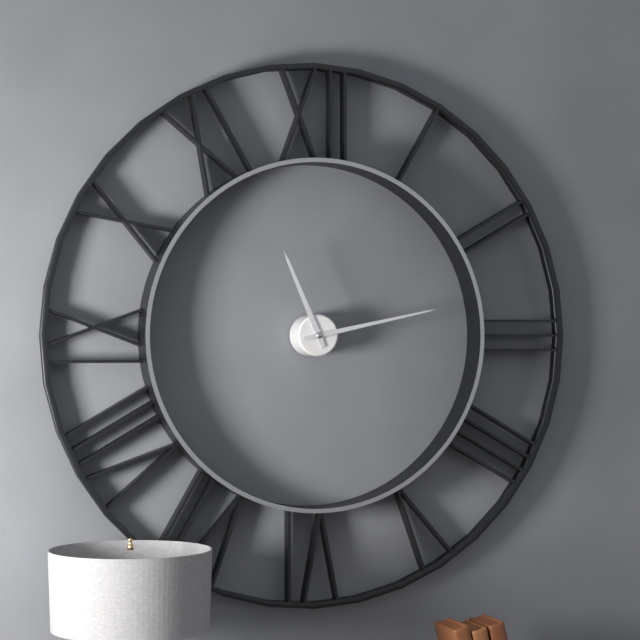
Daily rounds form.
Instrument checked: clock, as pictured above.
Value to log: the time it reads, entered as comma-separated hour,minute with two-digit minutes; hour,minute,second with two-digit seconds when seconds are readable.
11,13
